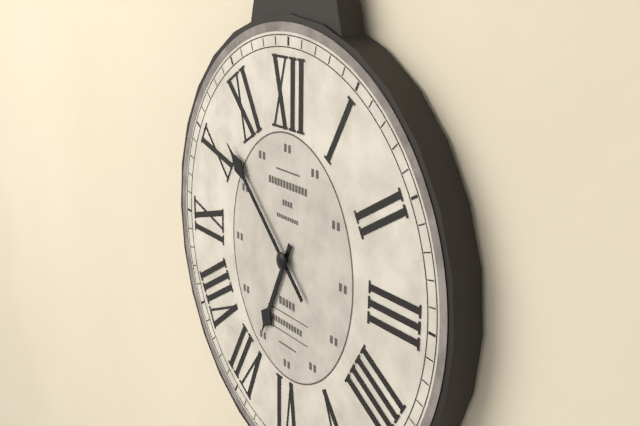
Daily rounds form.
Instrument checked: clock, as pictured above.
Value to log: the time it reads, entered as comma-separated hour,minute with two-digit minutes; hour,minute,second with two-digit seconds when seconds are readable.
6,52
